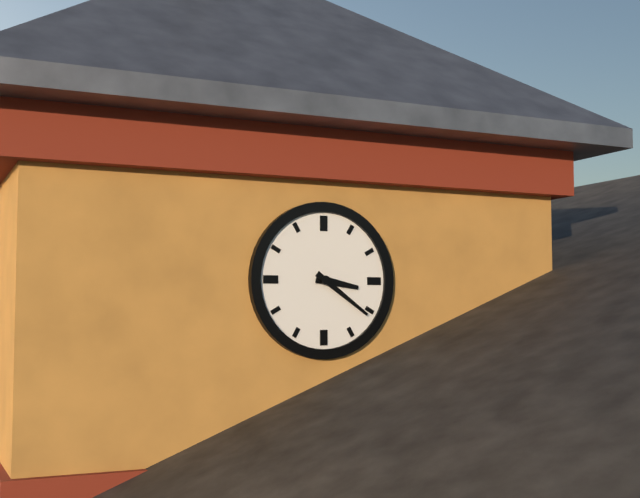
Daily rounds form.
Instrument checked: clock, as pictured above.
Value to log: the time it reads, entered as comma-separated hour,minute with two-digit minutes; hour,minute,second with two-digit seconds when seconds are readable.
3,21
